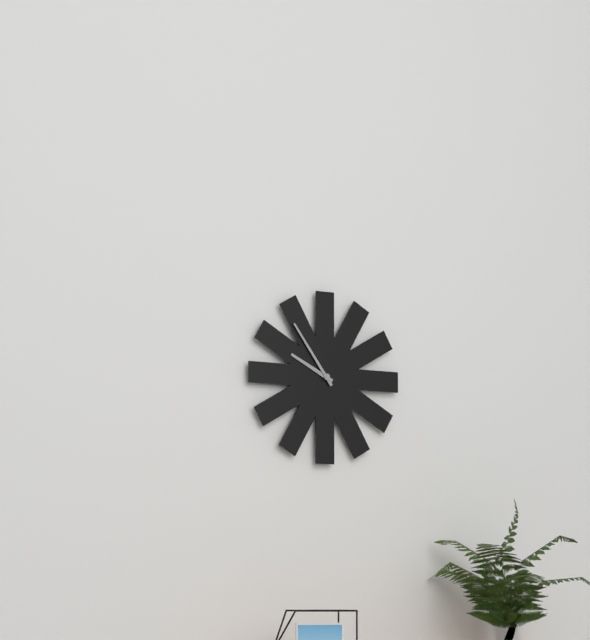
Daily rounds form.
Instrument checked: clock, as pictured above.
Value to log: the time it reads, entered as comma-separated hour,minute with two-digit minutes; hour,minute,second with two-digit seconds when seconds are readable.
9,54
